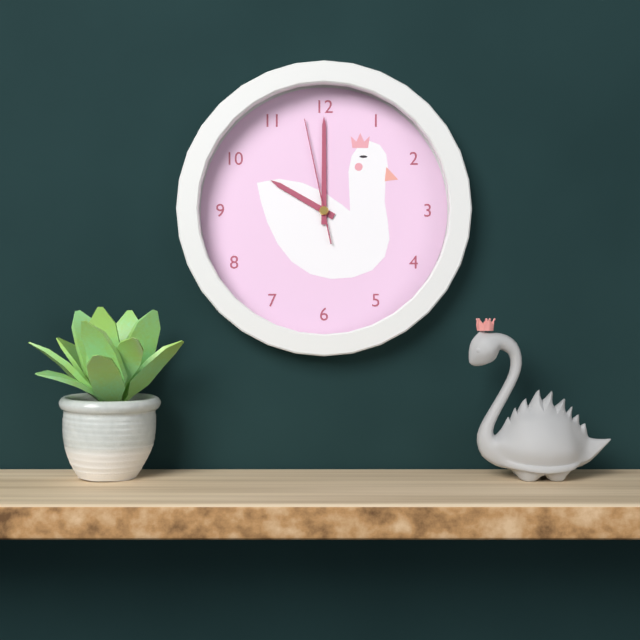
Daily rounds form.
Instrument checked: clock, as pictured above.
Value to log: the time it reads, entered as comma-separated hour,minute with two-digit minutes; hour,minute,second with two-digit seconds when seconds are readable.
10,00,58
